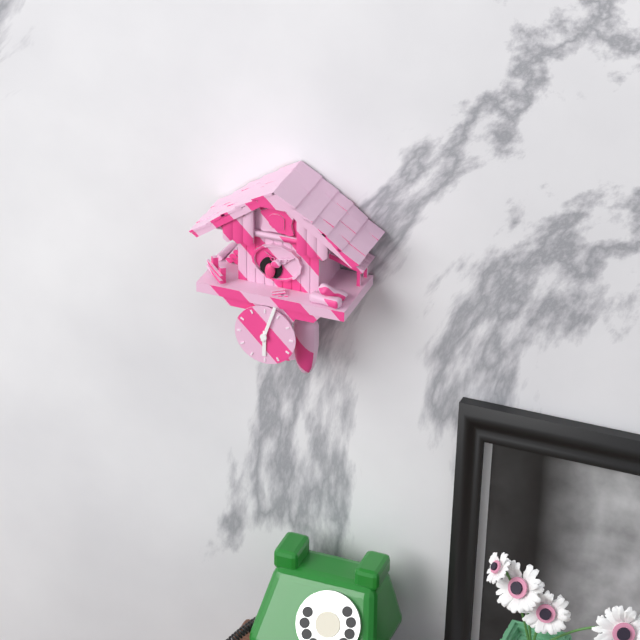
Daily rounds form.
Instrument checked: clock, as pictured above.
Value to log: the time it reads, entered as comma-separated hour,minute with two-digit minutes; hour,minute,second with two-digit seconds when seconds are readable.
6,03
